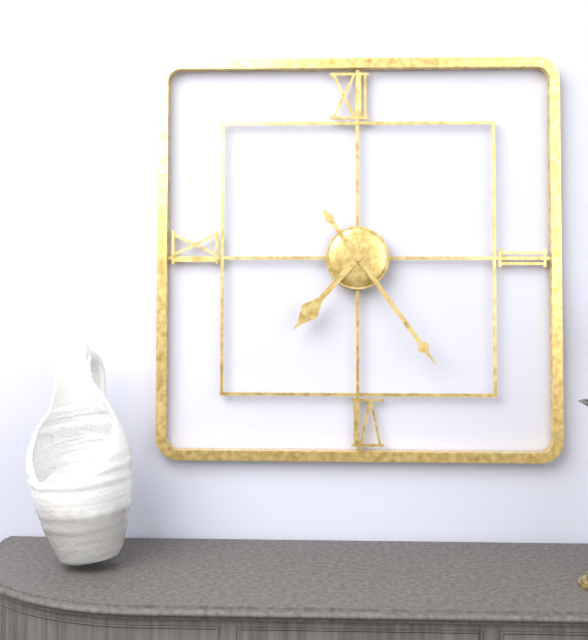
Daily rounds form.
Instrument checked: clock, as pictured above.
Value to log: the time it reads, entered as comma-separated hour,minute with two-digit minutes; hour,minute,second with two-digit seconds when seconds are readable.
7,24
